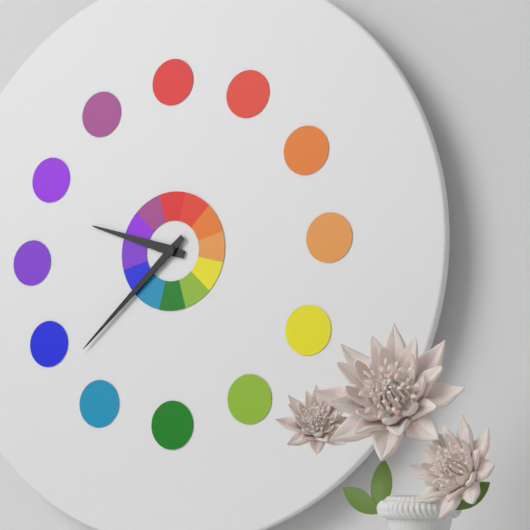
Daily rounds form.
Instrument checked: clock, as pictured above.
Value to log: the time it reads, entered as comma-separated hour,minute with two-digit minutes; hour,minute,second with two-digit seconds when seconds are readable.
9,38
